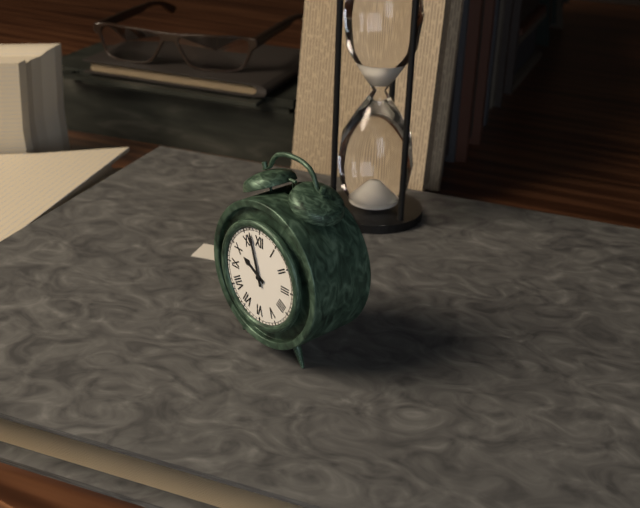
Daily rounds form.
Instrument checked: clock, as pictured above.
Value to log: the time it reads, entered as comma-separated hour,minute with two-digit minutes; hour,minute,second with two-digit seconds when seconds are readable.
9,57
